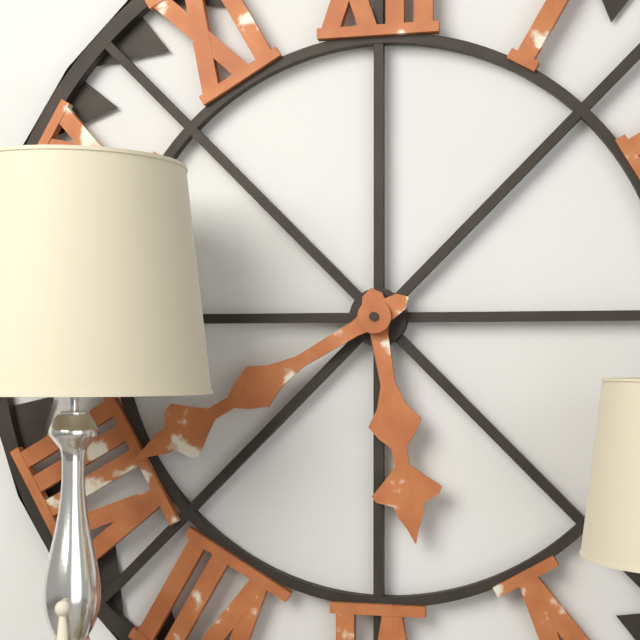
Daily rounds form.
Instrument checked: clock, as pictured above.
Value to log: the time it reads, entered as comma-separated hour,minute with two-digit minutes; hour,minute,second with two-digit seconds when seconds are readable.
5,40
